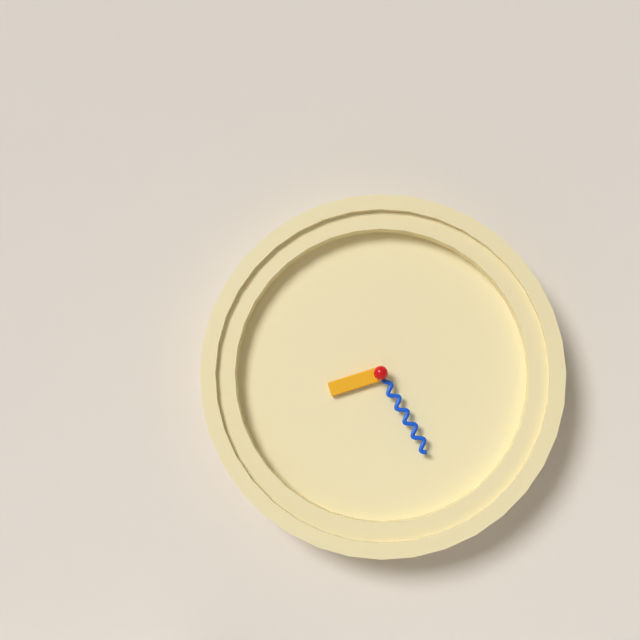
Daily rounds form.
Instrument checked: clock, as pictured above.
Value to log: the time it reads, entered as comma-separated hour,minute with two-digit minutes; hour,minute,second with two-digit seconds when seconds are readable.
8,25
